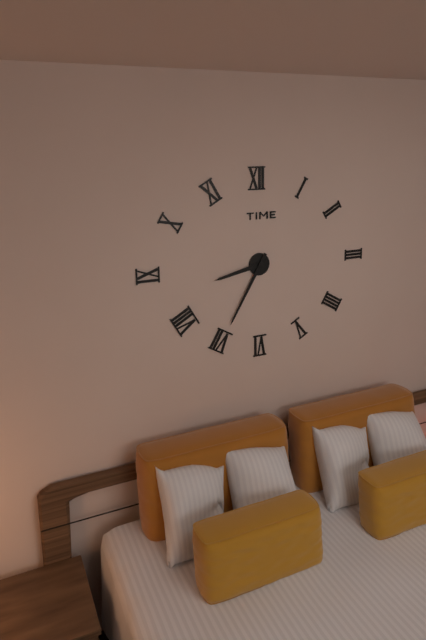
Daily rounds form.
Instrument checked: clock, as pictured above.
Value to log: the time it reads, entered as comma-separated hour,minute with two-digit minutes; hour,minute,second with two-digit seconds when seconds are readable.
8,35
